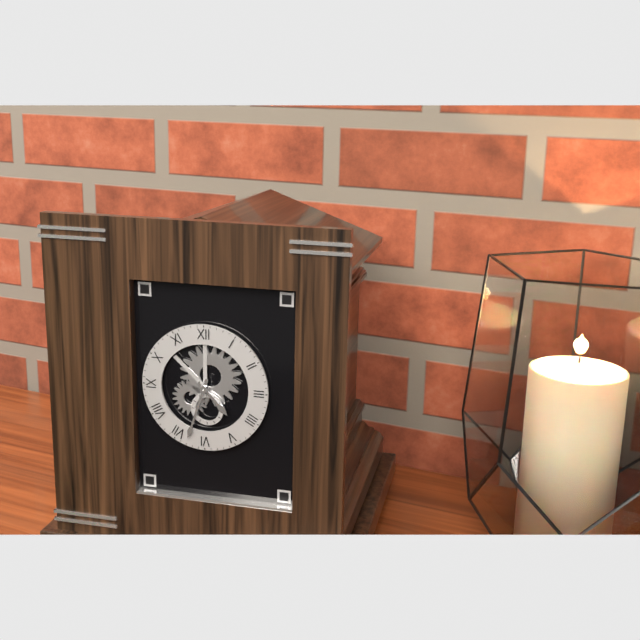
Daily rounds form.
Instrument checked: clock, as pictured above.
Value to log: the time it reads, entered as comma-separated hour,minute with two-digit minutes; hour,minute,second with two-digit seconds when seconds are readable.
4,33
